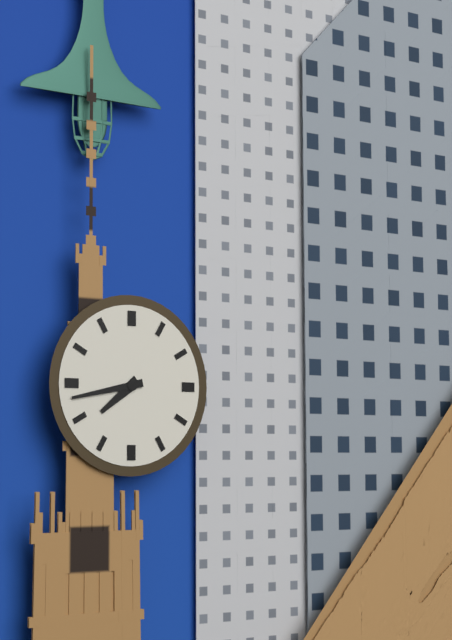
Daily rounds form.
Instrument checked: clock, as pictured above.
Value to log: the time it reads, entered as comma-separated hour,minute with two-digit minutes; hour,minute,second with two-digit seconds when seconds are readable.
7,43
